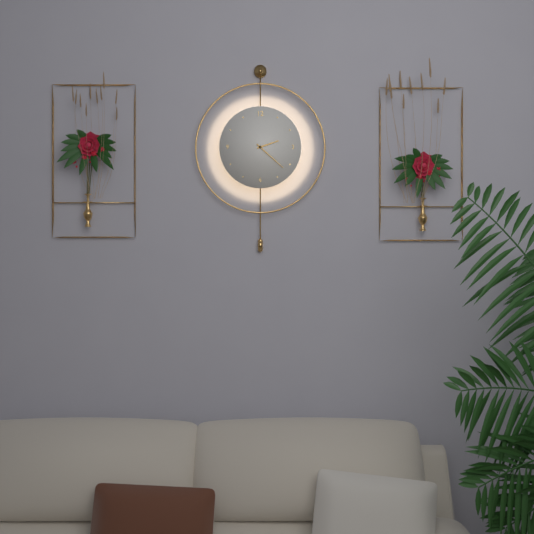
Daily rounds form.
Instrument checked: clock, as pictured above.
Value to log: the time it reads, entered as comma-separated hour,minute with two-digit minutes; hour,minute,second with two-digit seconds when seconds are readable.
2,22
